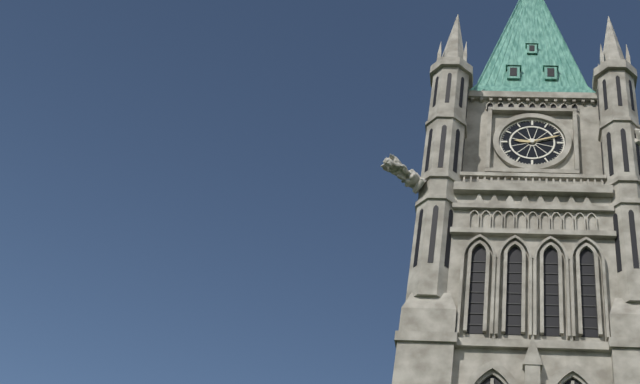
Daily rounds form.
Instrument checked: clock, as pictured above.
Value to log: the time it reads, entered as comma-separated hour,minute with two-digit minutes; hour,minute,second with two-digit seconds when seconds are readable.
9,12
